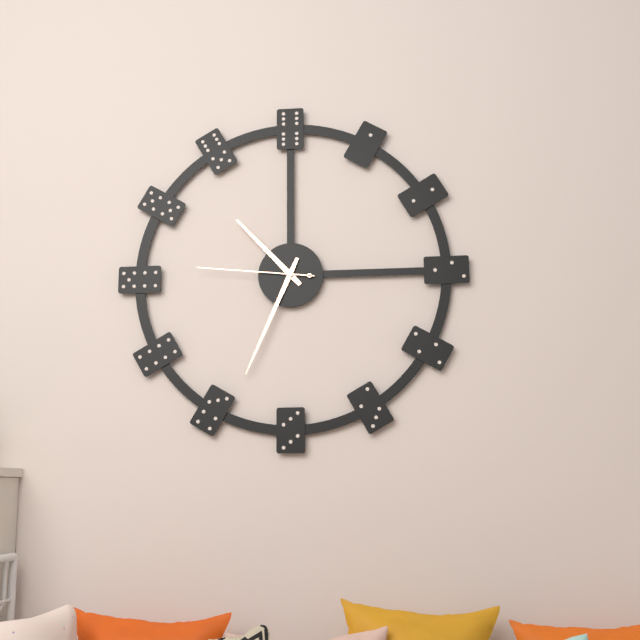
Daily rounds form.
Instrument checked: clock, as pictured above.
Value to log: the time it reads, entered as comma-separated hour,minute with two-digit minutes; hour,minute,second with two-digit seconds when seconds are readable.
10,34,46
